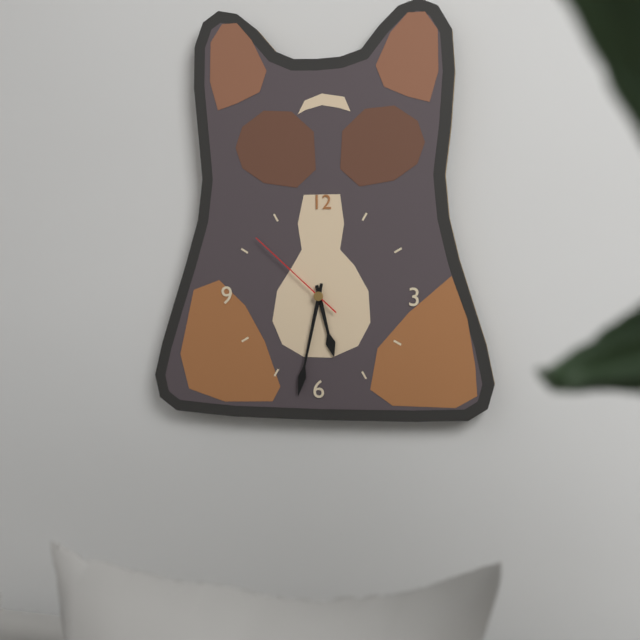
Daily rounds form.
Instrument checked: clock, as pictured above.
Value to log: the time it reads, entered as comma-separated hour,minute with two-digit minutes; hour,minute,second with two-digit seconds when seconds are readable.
5,32,52
